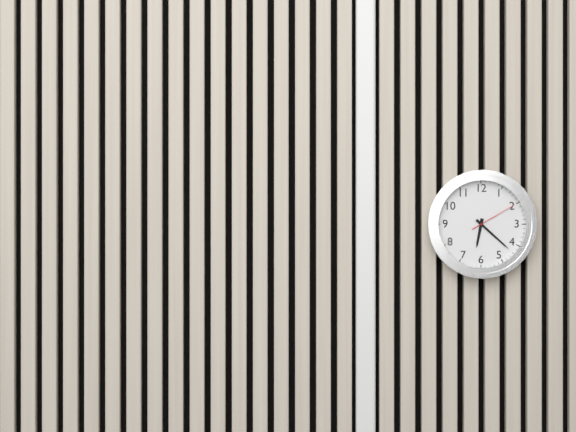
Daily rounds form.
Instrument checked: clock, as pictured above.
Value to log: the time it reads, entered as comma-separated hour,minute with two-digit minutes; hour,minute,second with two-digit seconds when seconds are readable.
6,22,10
